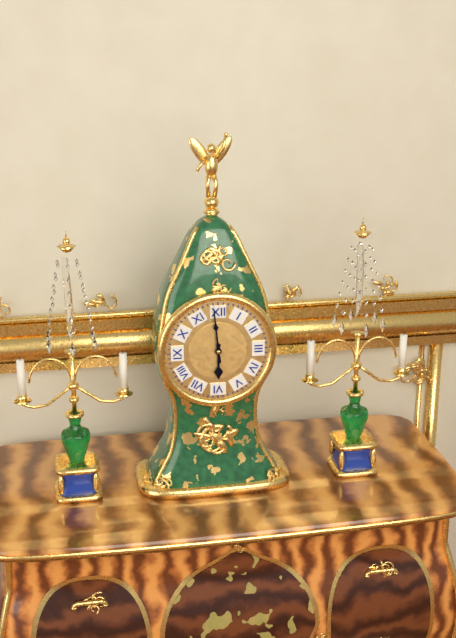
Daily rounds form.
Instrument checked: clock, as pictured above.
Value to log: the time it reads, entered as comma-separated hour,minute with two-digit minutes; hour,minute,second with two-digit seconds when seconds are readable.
5,59
